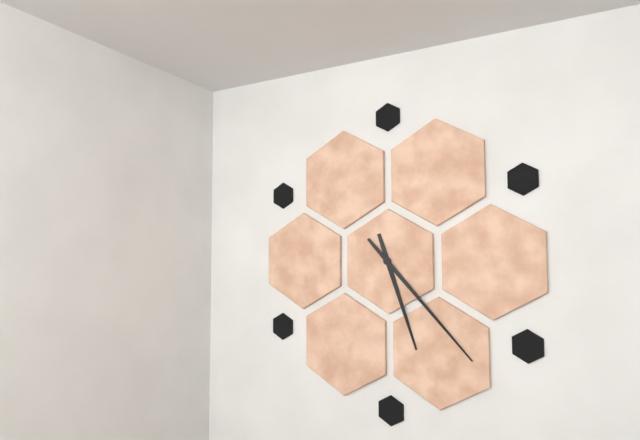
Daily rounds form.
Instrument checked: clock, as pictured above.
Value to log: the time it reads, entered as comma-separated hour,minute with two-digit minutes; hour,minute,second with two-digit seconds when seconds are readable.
5,23
